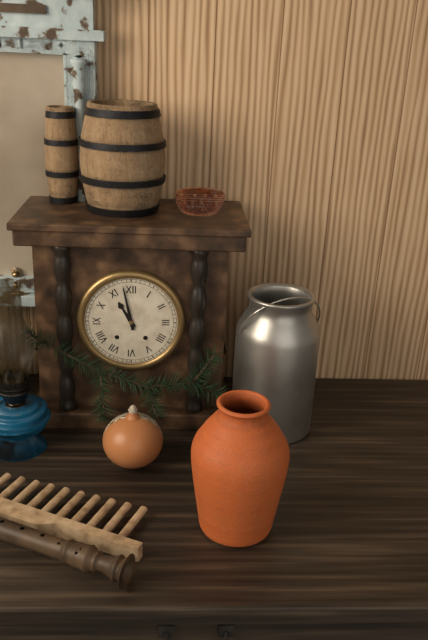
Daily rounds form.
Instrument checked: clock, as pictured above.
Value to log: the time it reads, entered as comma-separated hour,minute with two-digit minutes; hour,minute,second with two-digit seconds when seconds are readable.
10,58
